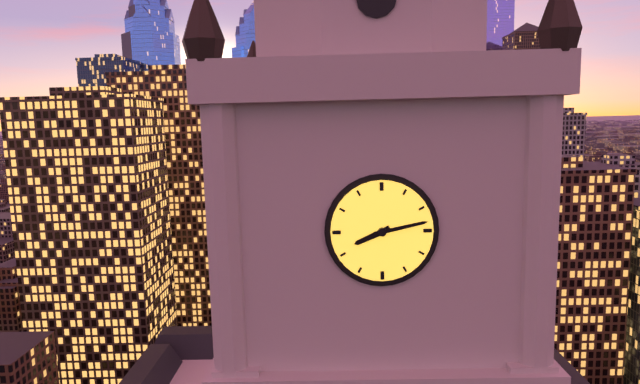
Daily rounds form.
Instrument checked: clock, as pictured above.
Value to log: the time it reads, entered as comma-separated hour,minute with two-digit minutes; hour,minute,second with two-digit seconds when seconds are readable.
8,13
